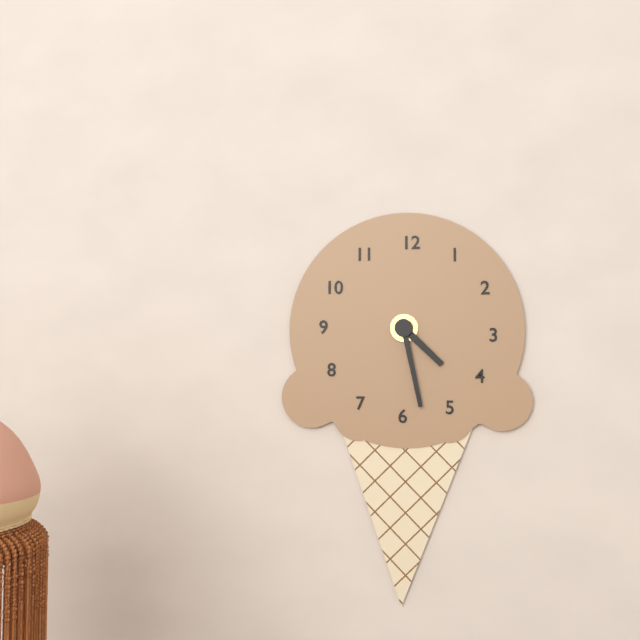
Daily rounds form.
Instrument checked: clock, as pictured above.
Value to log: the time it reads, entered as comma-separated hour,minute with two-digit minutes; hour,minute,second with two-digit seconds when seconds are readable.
4,28
